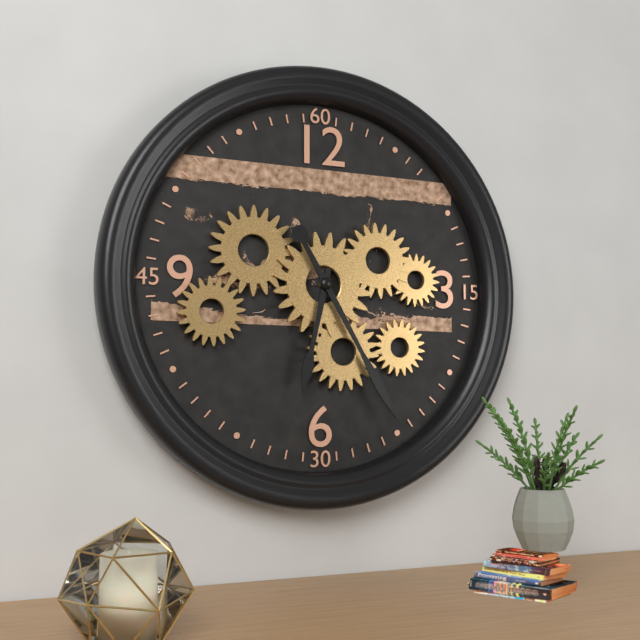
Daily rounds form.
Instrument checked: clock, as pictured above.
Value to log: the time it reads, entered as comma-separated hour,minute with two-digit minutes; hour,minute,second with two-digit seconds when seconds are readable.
6,25
